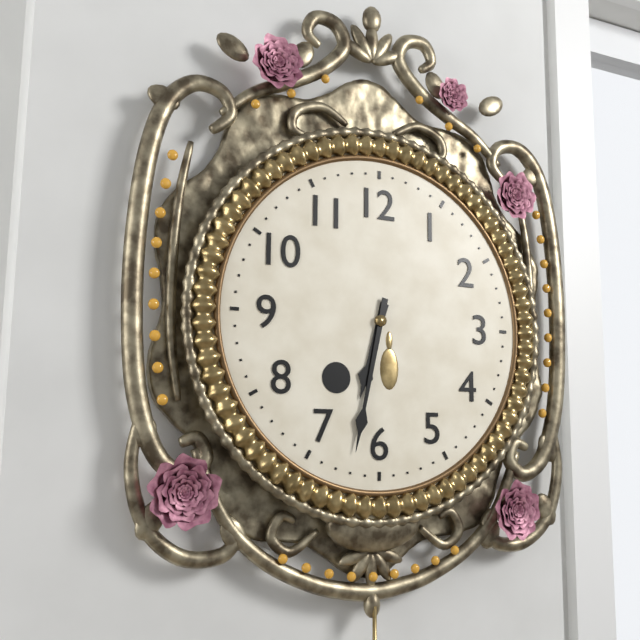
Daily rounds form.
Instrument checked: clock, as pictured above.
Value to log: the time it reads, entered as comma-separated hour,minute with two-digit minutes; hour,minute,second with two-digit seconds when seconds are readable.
6,32
